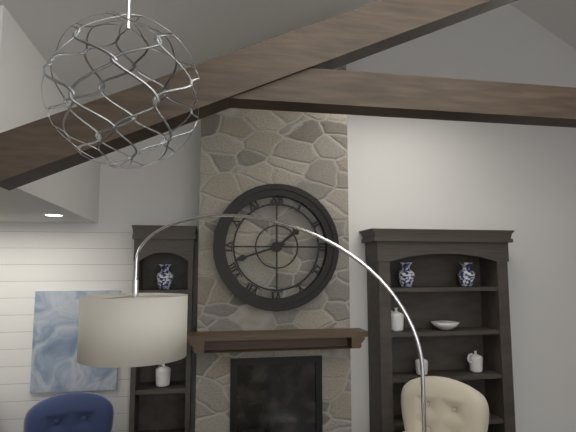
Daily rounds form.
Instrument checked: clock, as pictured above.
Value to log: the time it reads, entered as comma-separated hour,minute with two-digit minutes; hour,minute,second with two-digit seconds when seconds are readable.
1,42
